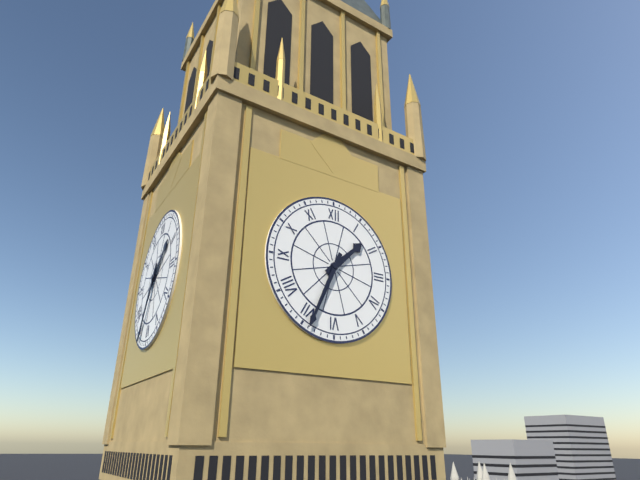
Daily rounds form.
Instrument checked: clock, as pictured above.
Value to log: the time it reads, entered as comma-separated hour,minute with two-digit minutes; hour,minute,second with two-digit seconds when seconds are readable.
1,34
